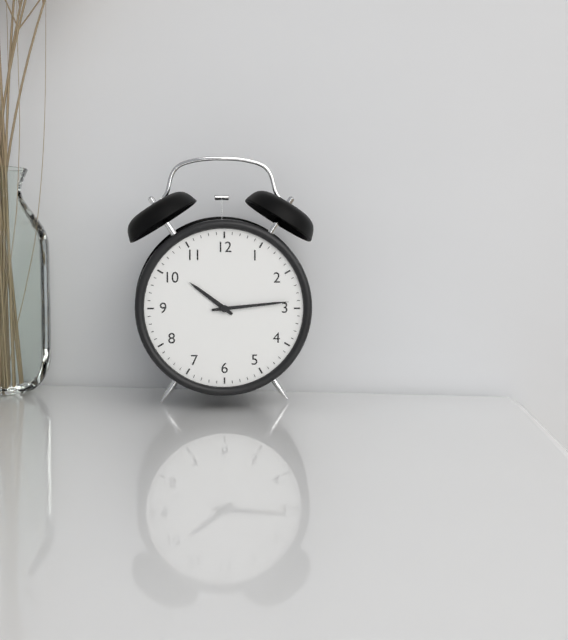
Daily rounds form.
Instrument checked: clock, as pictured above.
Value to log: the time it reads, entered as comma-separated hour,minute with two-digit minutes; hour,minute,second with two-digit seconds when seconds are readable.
10,14
